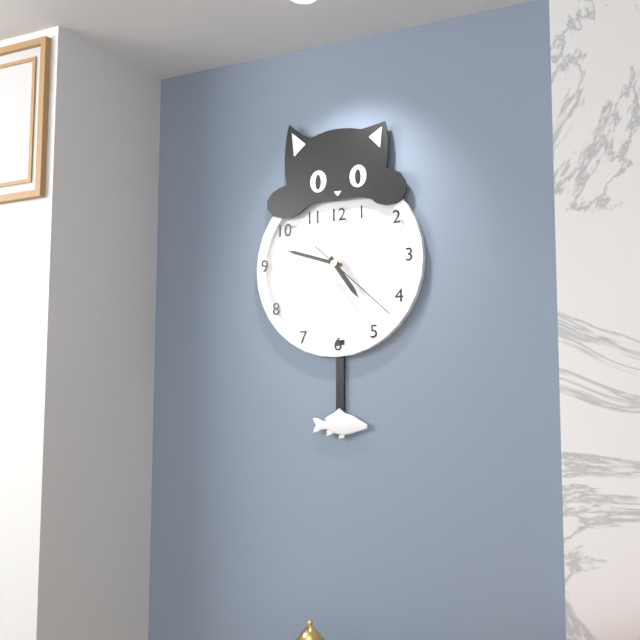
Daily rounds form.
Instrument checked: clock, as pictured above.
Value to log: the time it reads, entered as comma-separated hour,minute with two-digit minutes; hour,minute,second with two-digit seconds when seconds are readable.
4,48,22
